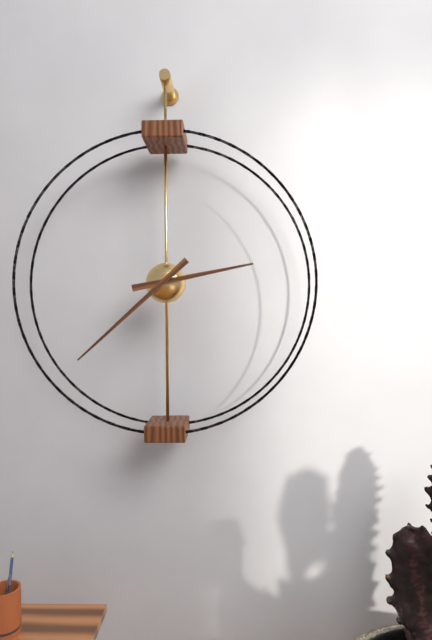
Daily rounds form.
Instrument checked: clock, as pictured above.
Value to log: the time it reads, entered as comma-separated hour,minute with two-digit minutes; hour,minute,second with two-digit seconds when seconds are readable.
2,38
